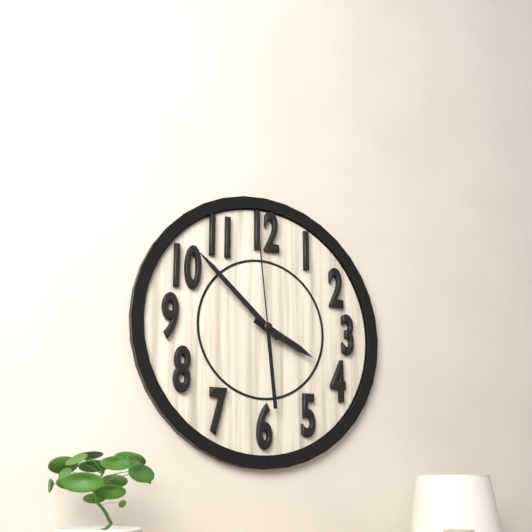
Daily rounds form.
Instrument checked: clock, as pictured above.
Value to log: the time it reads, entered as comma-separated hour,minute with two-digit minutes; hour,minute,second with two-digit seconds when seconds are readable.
3,52,59
